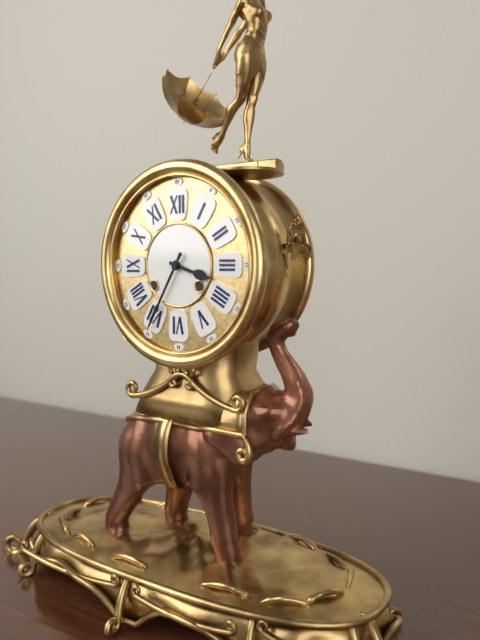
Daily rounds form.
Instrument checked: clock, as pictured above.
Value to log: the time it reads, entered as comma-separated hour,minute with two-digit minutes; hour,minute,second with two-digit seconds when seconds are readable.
3,35
